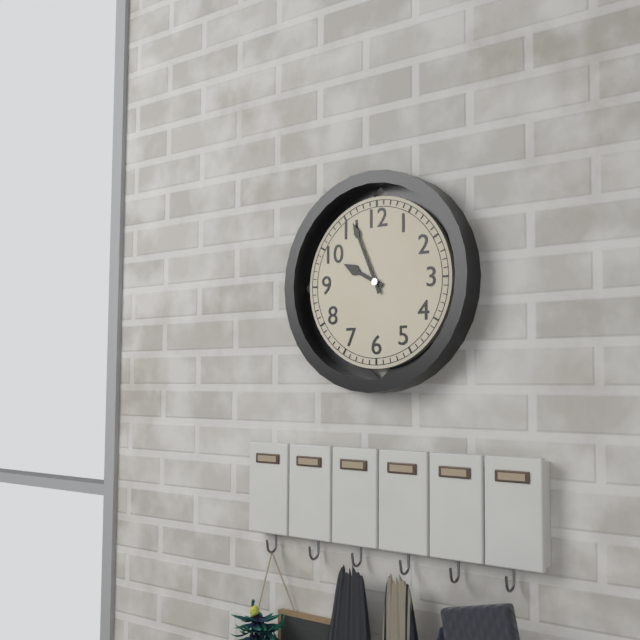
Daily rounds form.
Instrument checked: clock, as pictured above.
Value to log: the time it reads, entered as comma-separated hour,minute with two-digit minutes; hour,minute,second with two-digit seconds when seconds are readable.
9,56
